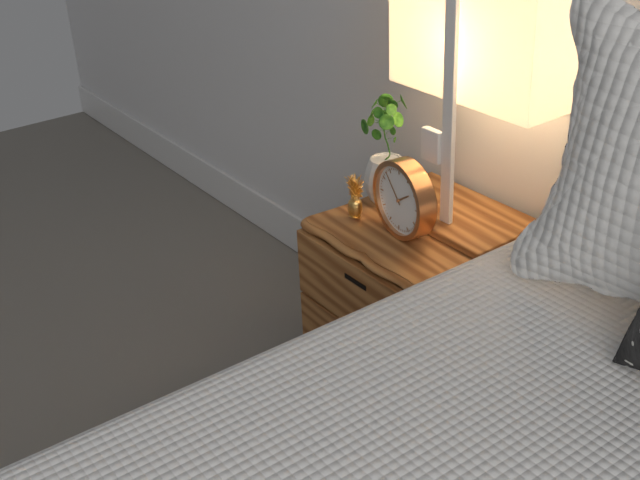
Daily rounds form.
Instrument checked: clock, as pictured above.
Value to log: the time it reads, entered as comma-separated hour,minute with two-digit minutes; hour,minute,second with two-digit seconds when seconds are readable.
1,53
